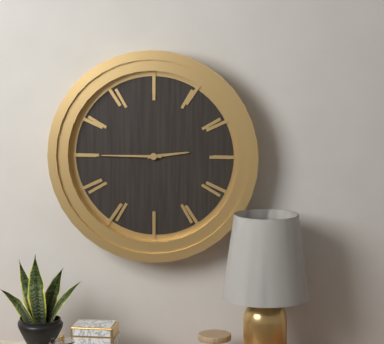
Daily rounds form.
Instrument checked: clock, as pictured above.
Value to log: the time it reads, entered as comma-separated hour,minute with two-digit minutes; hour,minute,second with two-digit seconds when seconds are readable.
2,45
